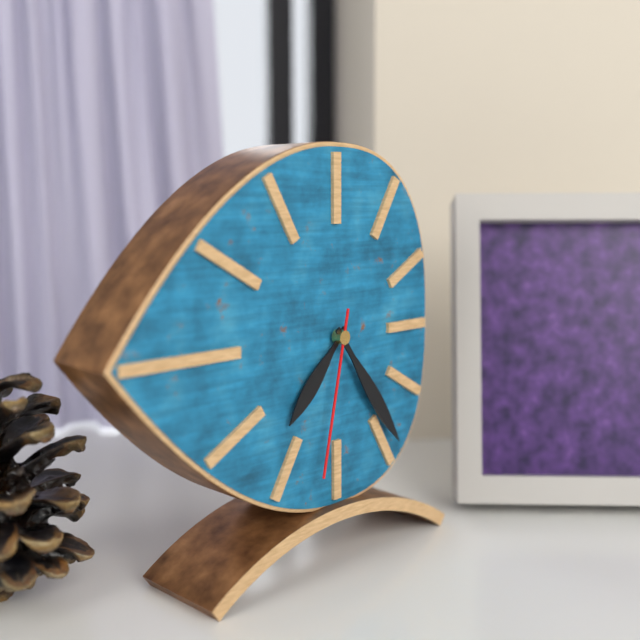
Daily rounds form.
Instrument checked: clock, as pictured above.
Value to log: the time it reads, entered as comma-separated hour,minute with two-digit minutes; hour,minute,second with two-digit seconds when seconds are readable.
7,24,32
